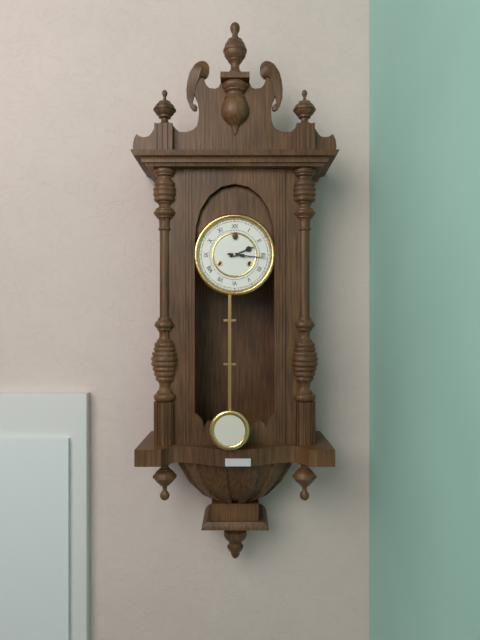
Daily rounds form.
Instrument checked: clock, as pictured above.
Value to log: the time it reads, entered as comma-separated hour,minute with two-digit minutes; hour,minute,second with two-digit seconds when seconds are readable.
2,16
